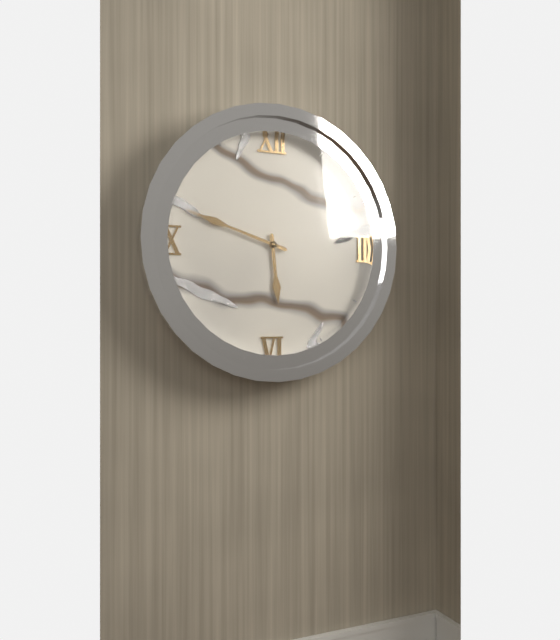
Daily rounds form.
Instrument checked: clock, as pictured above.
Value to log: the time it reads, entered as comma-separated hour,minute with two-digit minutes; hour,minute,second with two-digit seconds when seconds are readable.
5,48
